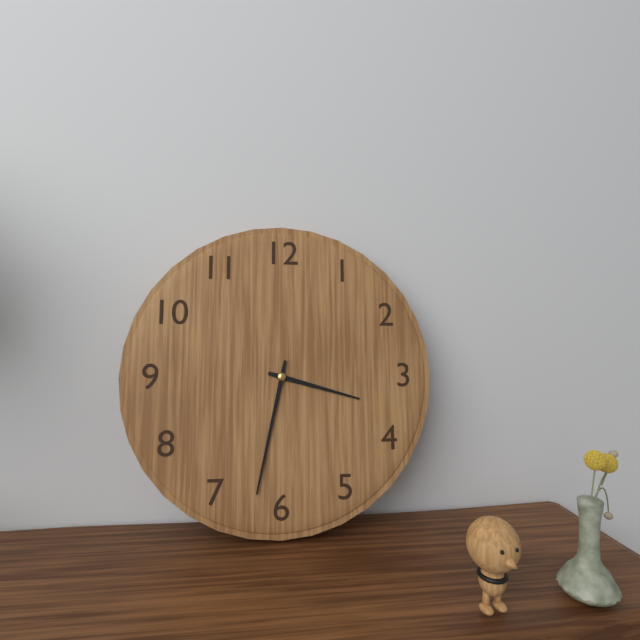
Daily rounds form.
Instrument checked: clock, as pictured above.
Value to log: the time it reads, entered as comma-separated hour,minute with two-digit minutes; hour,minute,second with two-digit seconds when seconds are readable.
3,32
